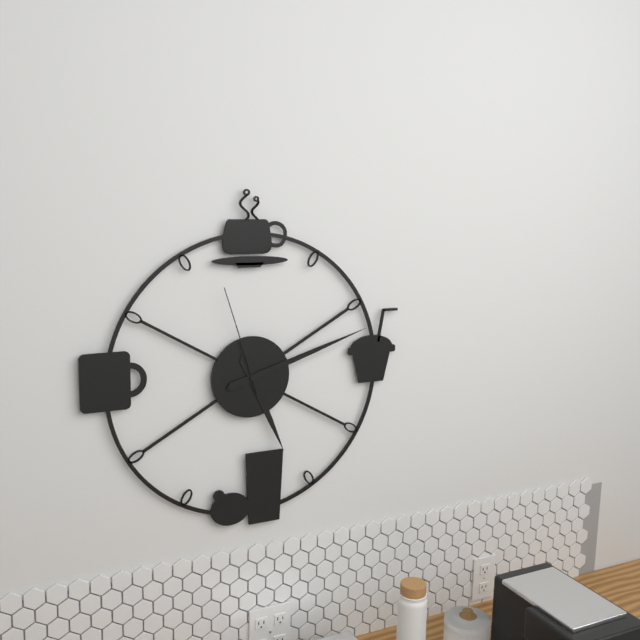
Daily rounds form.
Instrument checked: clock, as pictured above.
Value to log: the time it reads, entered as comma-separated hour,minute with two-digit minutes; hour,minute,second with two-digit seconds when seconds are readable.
5,12,57
